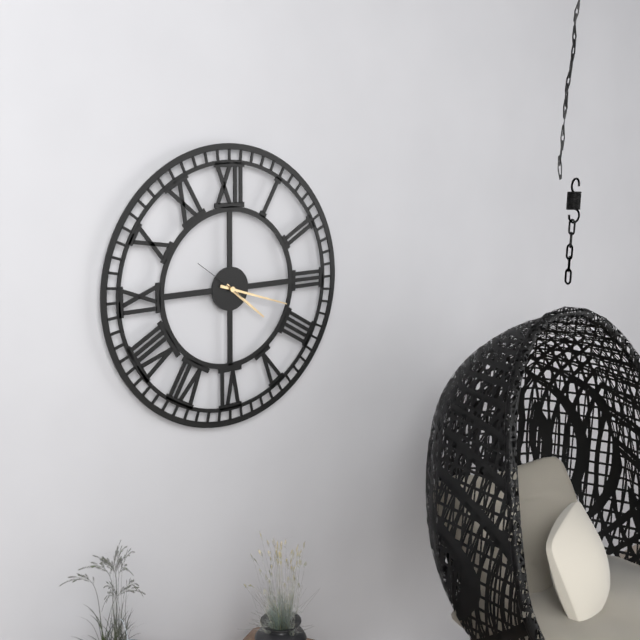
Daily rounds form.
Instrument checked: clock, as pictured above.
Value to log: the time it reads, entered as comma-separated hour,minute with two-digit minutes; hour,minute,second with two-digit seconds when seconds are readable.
4,18,51
